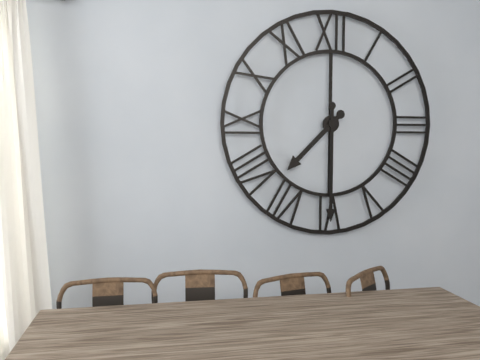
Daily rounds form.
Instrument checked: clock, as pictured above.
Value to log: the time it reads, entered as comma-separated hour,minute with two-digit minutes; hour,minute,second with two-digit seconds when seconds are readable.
7,30
